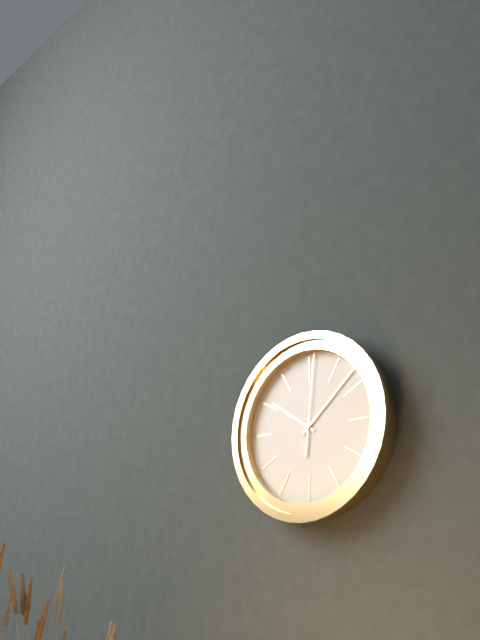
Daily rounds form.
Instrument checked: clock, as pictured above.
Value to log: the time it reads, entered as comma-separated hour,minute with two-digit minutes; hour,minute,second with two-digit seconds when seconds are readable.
10,08,01
